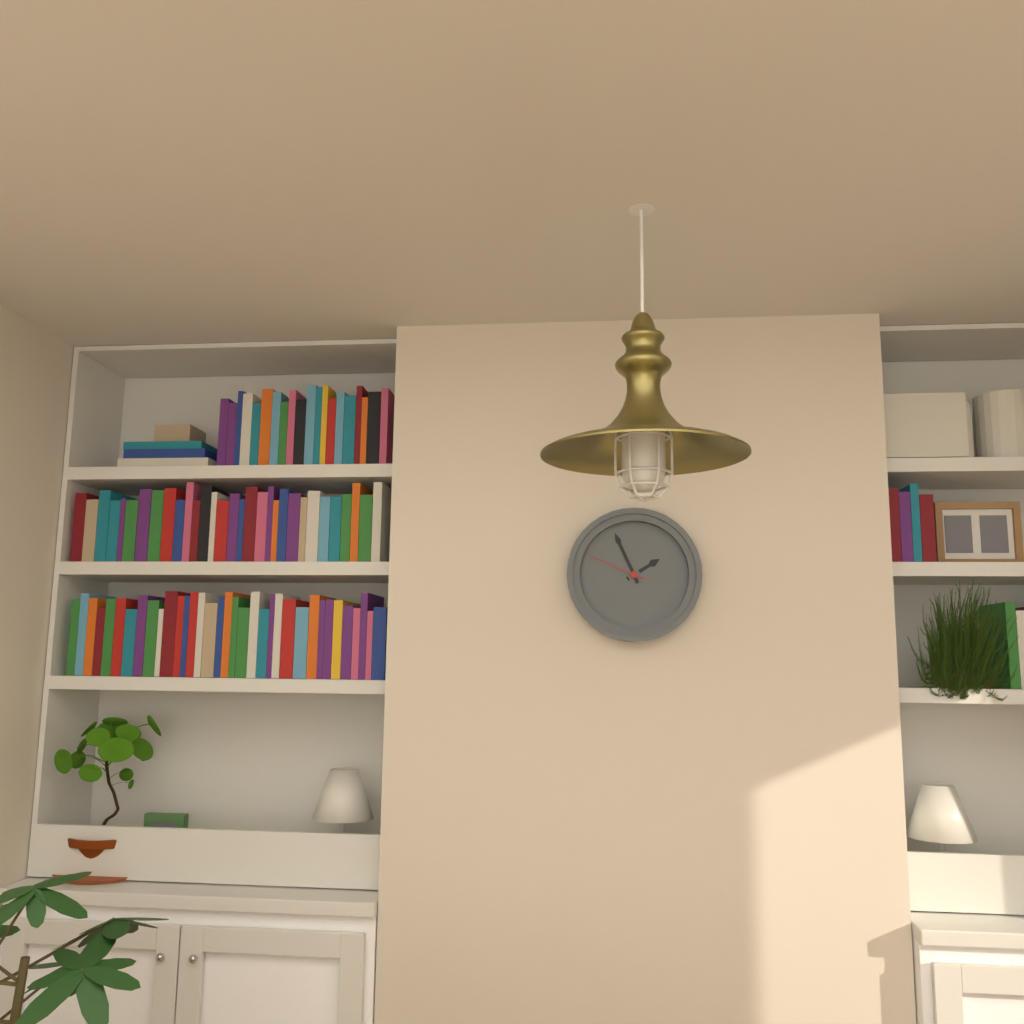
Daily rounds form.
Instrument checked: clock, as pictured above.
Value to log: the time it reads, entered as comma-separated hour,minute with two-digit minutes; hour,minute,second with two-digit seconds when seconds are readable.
1,56,49
